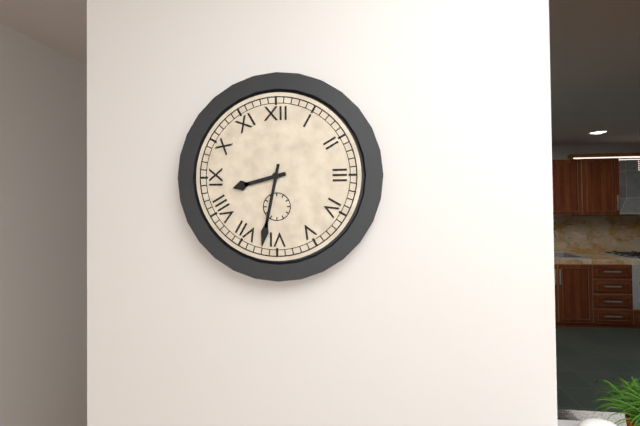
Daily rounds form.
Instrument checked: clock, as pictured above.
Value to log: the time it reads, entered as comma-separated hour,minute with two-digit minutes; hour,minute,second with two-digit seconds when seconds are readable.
8,32
